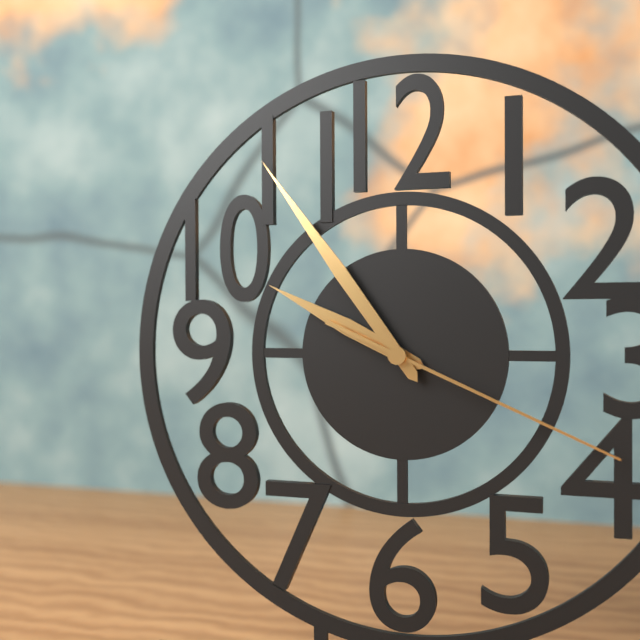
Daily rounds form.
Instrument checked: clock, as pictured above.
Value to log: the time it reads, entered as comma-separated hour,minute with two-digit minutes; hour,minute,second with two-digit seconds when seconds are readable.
9,54,19
